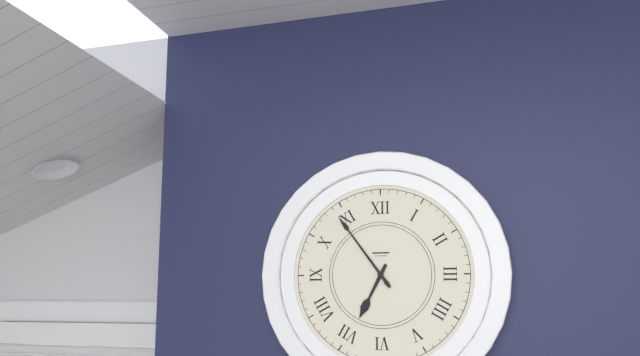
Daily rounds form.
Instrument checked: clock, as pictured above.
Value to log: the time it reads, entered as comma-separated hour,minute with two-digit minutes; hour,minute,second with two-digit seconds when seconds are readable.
6,54
